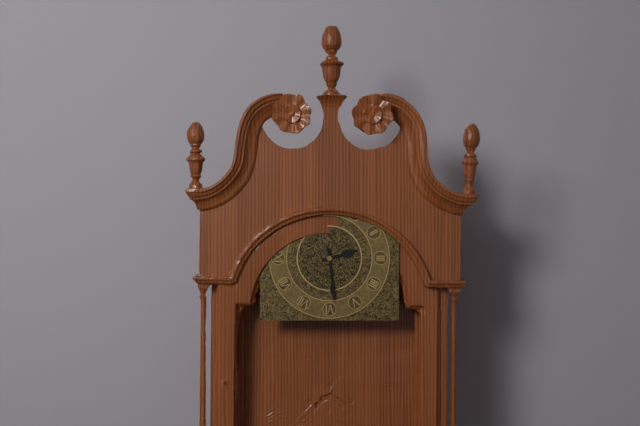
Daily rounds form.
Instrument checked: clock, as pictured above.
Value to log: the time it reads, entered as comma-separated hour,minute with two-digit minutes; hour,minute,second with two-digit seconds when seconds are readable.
2,29
